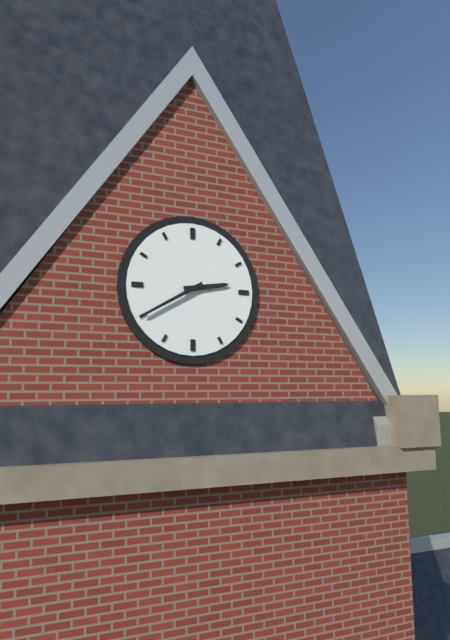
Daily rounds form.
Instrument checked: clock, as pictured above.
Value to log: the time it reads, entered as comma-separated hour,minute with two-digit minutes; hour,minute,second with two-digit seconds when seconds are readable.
2,40
